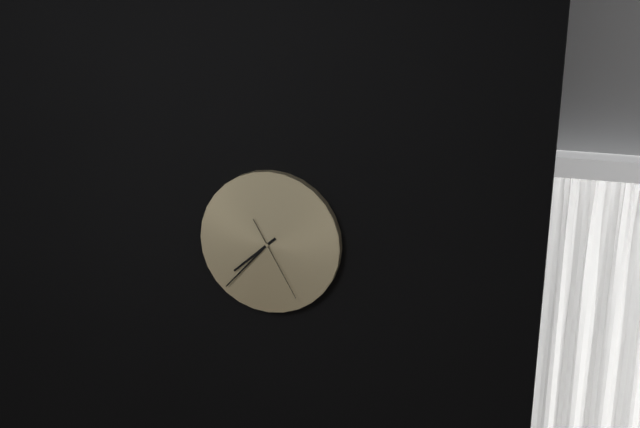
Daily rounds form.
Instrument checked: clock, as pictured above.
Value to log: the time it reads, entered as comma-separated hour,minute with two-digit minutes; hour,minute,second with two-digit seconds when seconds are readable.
7,37,25
